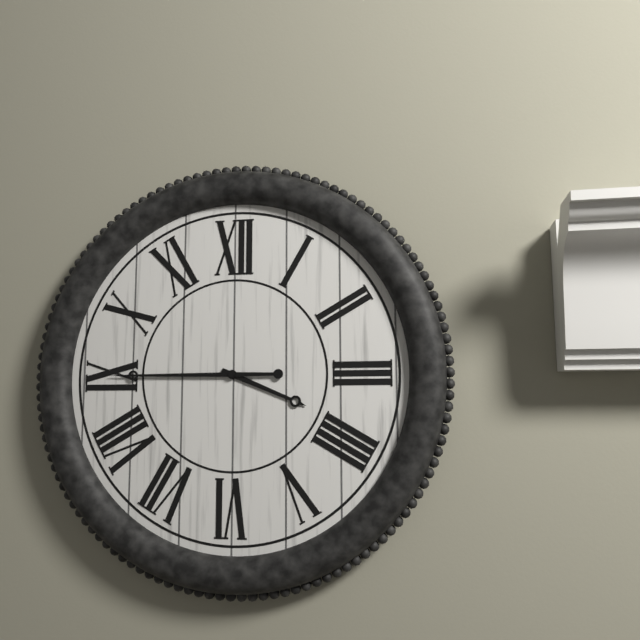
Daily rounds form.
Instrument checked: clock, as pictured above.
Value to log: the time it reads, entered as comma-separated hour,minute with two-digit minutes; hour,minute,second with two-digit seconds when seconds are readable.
3,45
